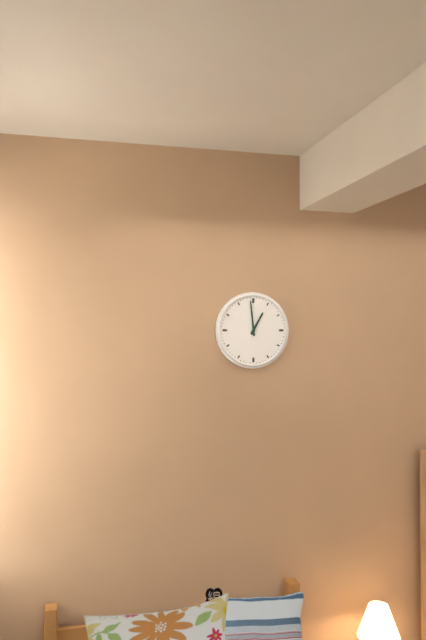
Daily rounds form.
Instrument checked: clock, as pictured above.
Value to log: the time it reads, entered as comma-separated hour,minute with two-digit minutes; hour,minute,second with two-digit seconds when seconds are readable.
12,59
